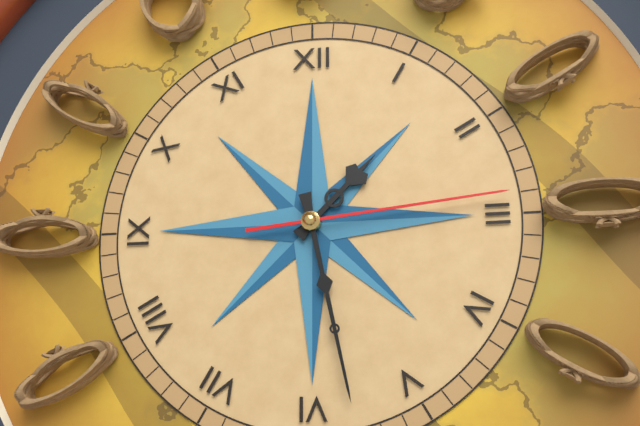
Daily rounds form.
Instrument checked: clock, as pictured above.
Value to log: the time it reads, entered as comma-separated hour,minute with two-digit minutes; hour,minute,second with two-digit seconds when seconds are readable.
1,28,14
